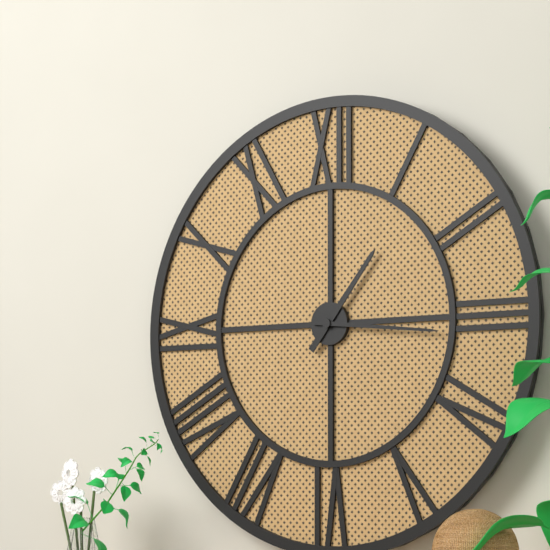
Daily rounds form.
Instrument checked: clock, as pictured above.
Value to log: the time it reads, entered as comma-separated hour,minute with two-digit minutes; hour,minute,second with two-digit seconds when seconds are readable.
1,16
